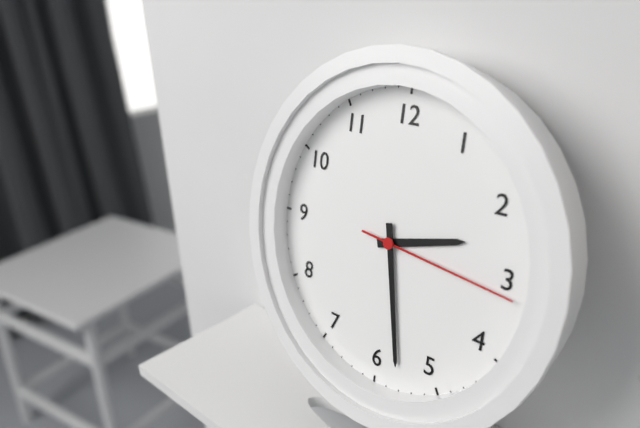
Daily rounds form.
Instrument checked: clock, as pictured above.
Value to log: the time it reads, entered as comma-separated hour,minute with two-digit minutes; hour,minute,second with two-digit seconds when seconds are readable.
2,28,16
